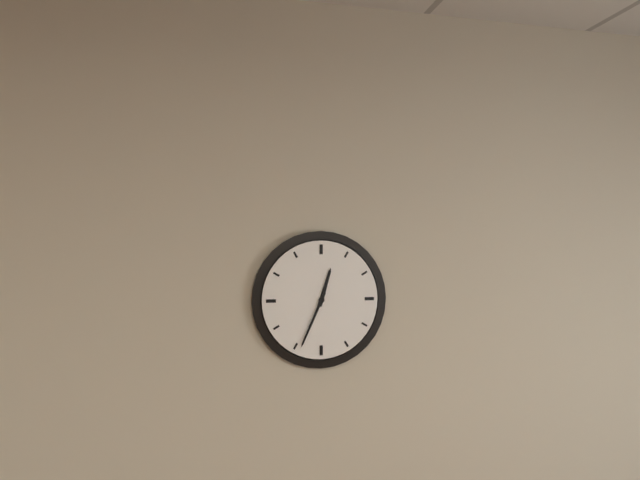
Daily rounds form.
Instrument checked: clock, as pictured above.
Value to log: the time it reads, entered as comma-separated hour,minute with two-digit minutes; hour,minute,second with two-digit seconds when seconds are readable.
12,34
